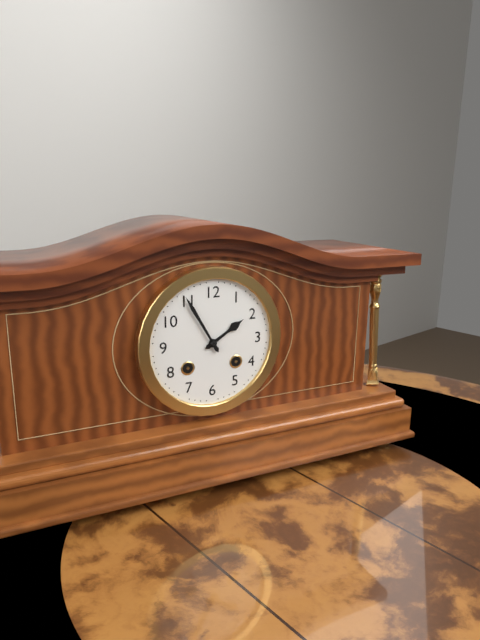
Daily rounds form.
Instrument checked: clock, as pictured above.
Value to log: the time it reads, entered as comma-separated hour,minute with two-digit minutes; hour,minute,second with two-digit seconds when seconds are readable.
1,55
